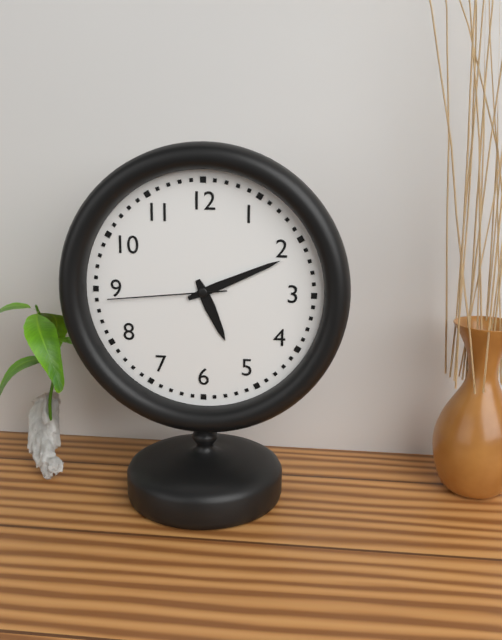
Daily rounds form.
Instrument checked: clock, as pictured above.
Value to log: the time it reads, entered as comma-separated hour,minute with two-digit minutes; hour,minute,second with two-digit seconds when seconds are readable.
5,11,44
